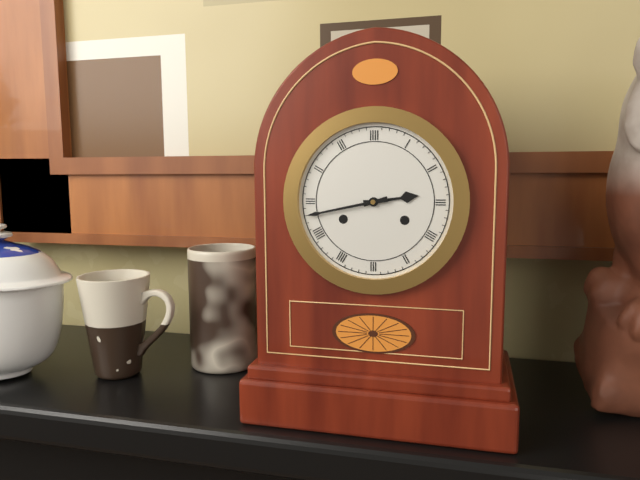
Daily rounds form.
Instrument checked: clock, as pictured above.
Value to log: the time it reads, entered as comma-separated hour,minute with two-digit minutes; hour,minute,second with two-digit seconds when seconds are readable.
2,43
